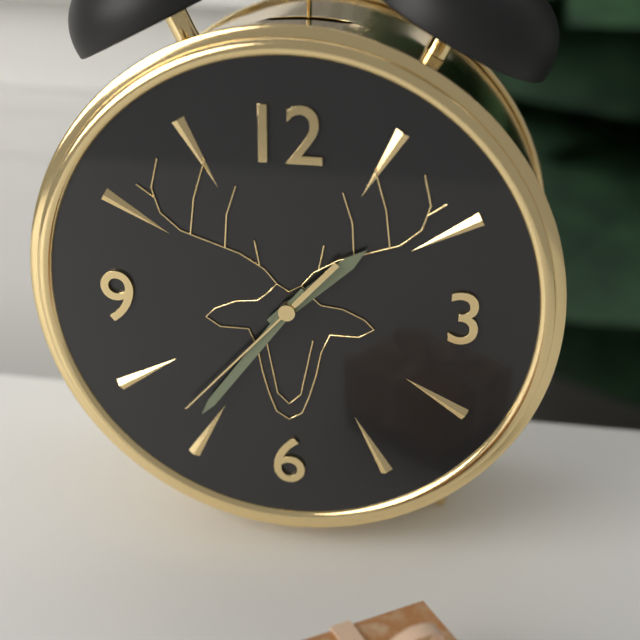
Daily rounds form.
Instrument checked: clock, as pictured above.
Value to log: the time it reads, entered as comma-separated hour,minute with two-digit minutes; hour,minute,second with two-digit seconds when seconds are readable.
1,36,37
